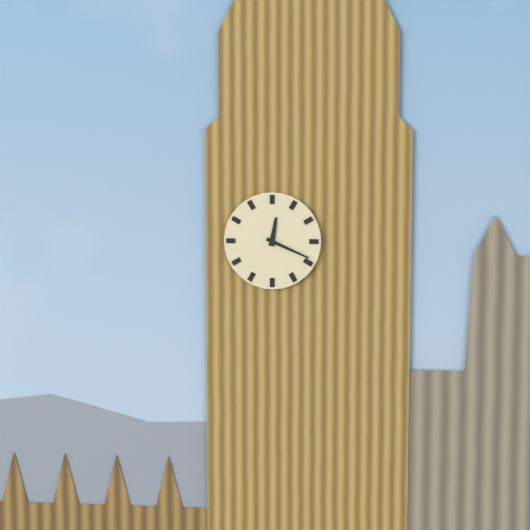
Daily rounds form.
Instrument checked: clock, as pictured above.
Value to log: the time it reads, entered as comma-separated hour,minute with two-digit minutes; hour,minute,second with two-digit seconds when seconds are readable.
12,19
